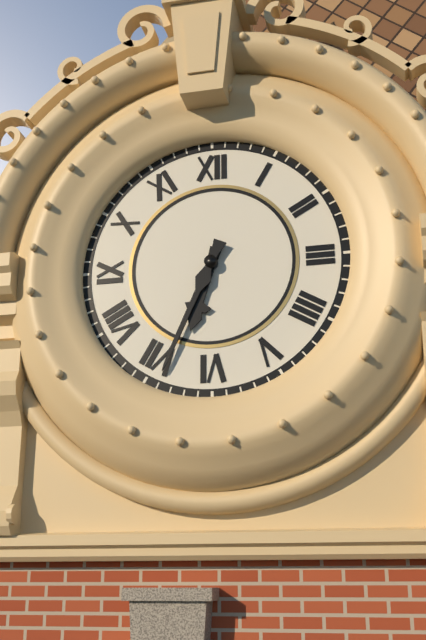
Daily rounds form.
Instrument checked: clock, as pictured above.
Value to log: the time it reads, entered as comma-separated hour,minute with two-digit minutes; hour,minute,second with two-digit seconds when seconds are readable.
6,34
